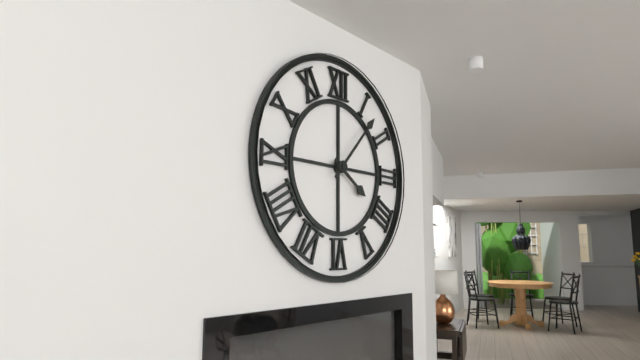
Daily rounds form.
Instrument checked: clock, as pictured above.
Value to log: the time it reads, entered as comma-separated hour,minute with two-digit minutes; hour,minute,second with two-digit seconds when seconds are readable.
4,07
